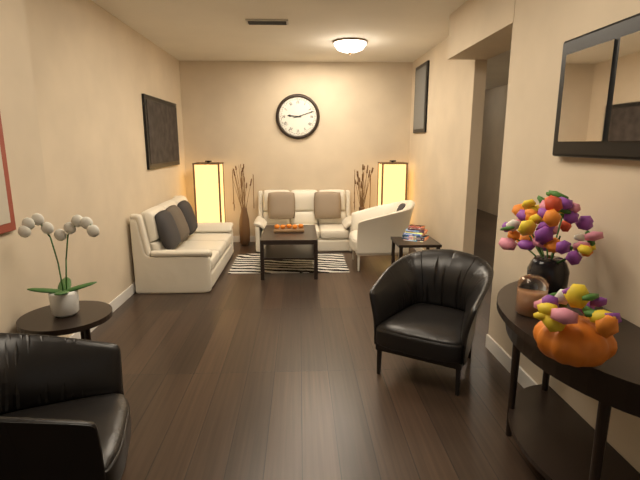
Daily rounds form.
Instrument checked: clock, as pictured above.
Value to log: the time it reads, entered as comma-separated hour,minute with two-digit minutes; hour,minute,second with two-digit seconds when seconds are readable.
9,12
